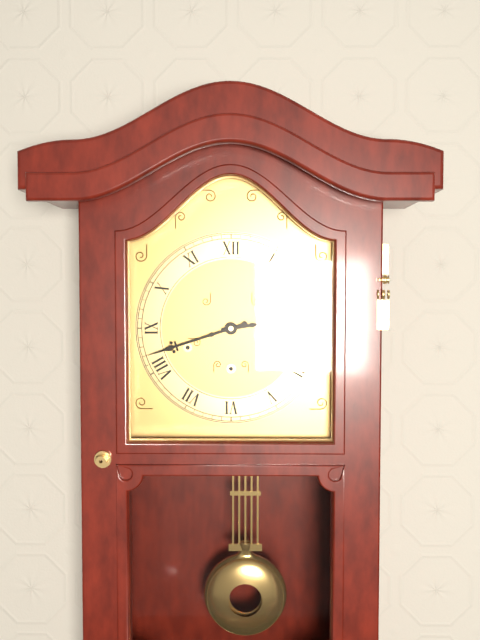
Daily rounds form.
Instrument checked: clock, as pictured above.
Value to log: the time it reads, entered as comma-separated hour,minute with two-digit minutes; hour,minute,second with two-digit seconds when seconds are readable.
2,42
